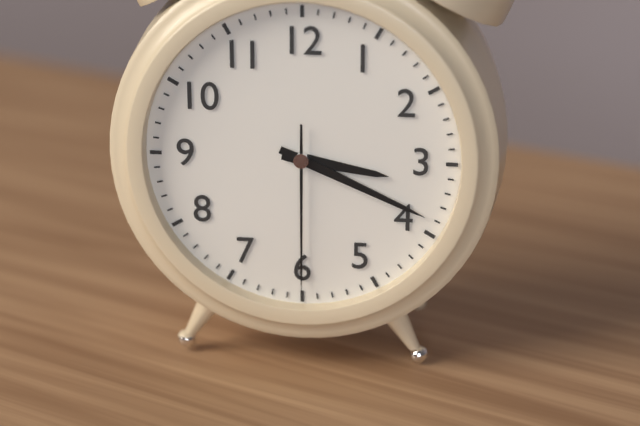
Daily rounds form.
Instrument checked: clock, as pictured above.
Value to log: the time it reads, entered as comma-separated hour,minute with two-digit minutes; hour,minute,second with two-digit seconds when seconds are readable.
3,19,30
